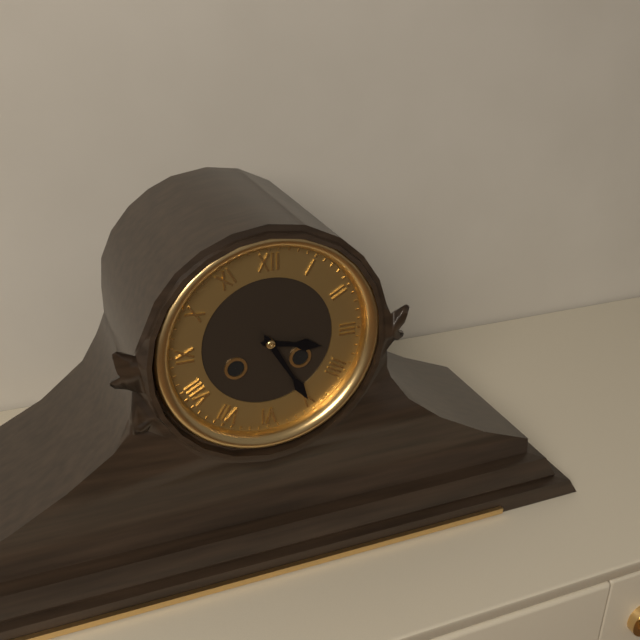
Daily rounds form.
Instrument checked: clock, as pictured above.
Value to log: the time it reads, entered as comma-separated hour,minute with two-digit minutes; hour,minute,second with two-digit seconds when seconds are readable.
3,25
